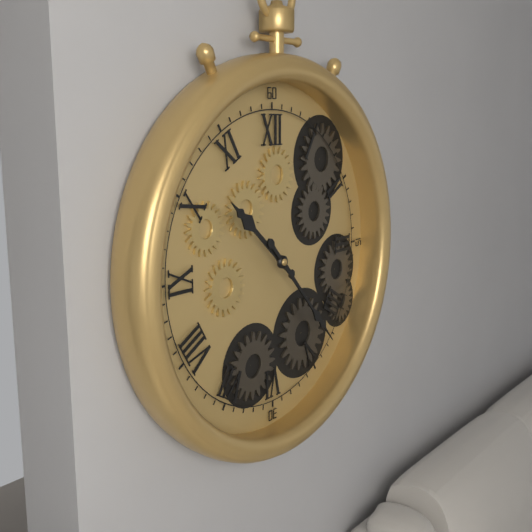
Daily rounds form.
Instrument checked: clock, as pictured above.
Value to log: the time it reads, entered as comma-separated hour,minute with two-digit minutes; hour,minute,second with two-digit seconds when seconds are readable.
10,23
